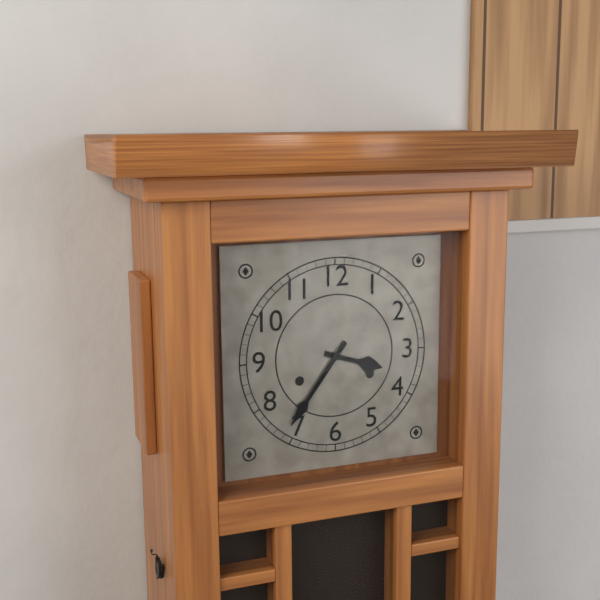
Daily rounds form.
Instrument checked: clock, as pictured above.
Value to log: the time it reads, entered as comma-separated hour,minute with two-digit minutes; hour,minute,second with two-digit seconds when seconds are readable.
3,36
